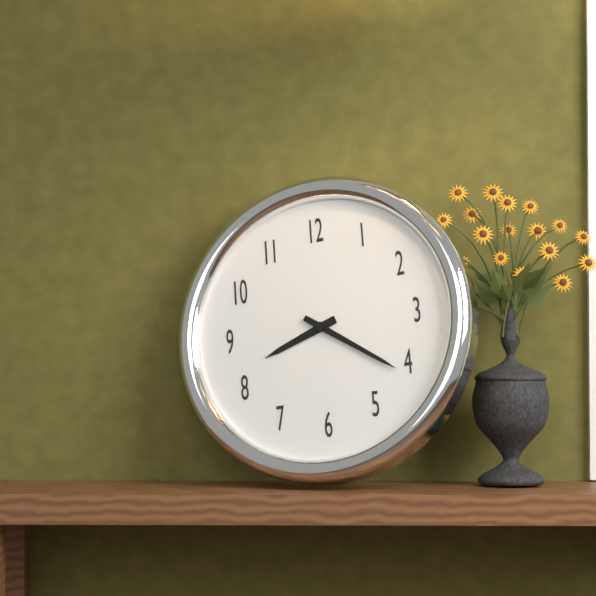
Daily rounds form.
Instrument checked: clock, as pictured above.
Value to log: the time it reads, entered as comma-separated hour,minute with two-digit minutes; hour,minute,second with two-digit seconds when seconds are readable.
8,21
